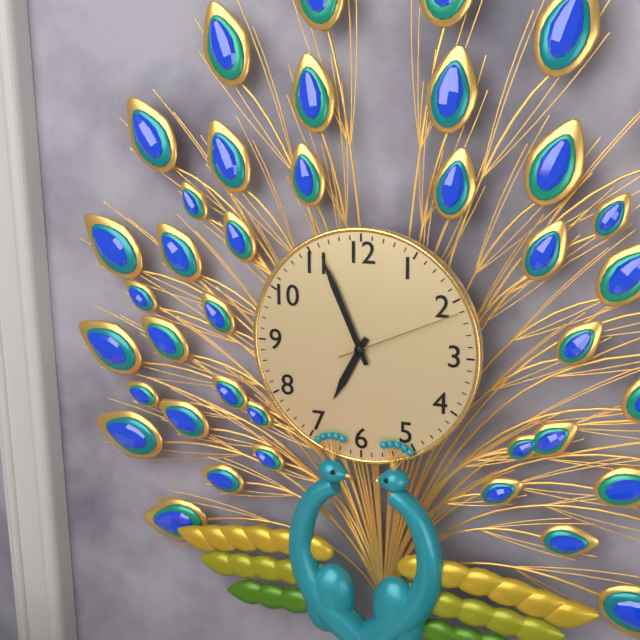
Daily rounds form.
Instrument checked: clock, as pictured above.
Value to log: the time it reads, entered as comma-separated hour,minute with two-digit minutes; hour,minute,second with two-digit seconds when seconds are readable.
6,56,11
